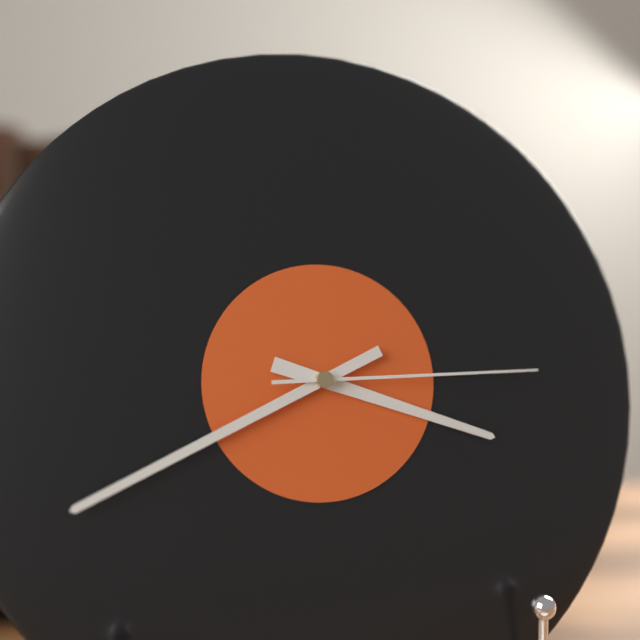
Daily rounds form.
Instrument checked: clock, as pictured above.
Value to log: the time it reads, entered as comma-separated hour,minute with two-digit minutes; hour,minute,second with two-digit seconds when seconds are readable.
3,41,15
